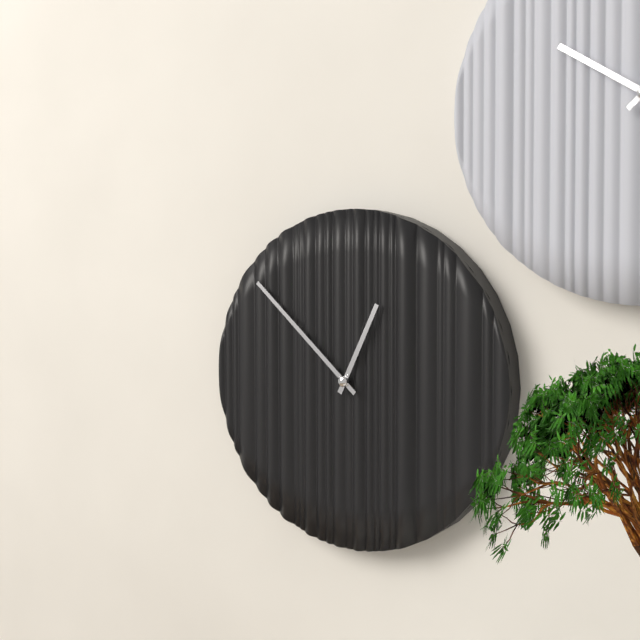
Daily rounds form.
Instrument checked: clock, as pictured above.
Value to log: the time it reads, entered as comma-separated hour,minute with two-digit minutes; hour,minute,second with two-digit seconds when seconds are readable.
12,52
